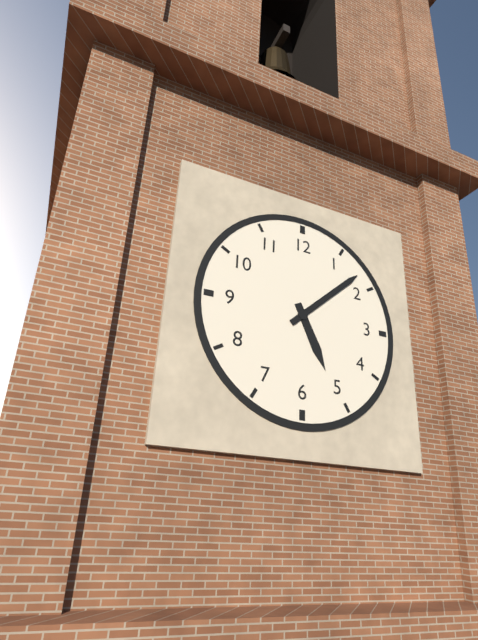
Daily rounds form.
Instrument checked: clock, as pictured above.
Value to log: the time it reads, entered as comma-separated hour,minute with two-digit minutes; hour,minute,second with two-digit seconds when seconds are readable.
5,08
